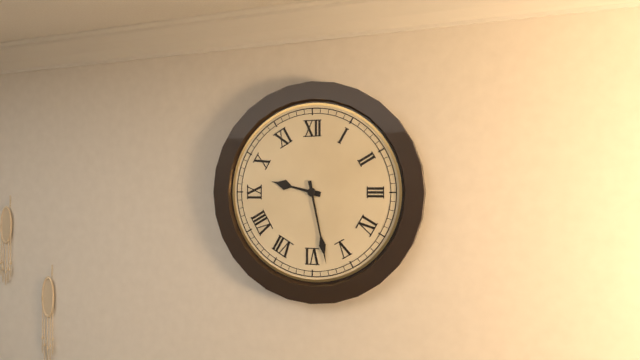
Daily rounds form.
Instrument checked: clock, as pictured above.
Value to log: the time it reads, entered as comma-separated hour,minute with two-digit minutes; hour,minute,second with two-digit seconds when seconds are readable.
9,28
